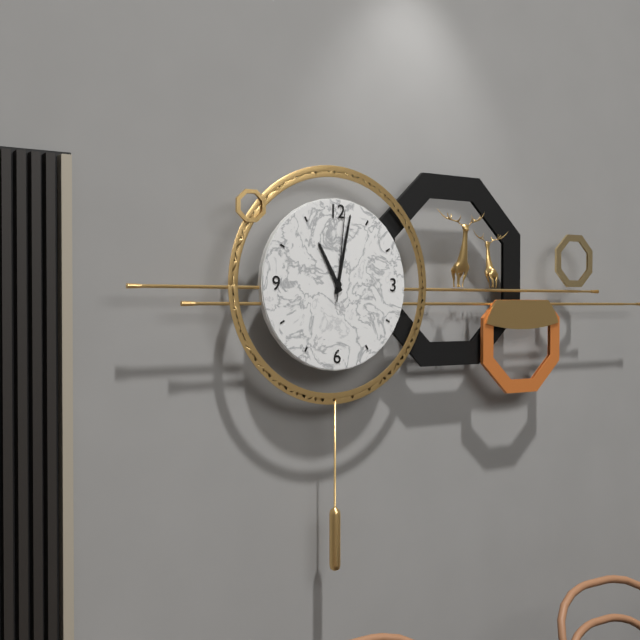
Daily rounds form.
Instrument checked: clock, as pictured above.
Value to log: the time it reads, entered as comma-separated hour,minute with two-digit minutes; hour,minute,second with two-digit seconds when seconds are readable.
11,02,01
